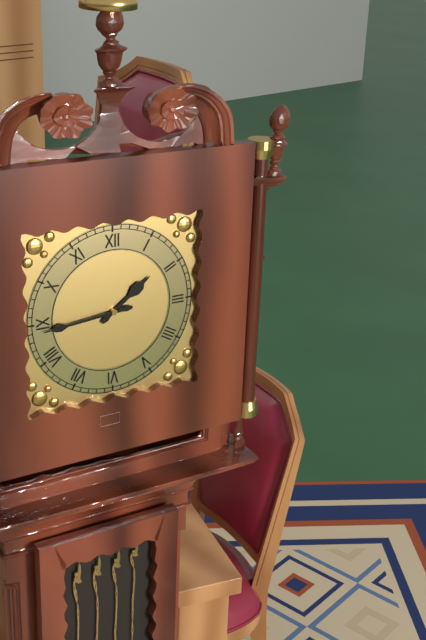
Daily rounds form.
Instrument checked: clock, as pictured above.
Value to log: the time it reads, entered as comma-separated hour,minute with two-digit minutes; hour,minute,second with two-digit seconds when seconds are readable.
1,44
